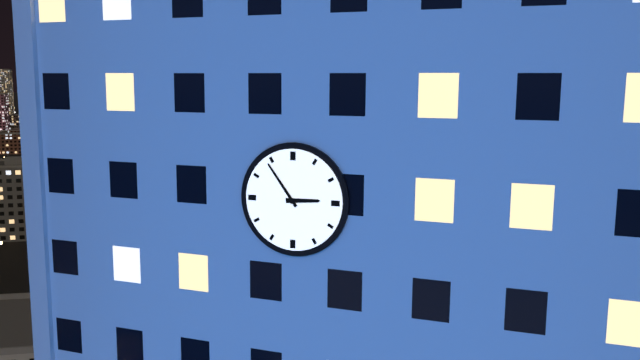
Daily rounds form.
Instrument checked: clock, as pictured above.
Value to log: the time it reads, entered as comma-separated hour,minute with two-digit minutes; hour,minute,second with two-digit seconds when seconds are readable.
2,54
